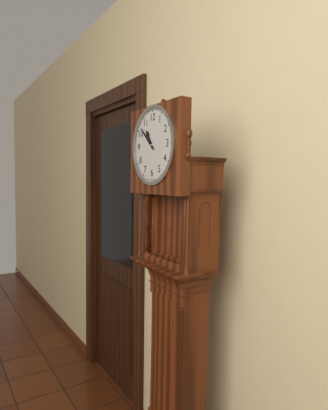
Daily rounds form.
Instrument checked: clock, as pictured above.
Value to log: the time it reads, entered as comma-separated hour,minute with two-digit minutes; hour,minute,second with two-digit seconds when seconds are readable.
10,52
